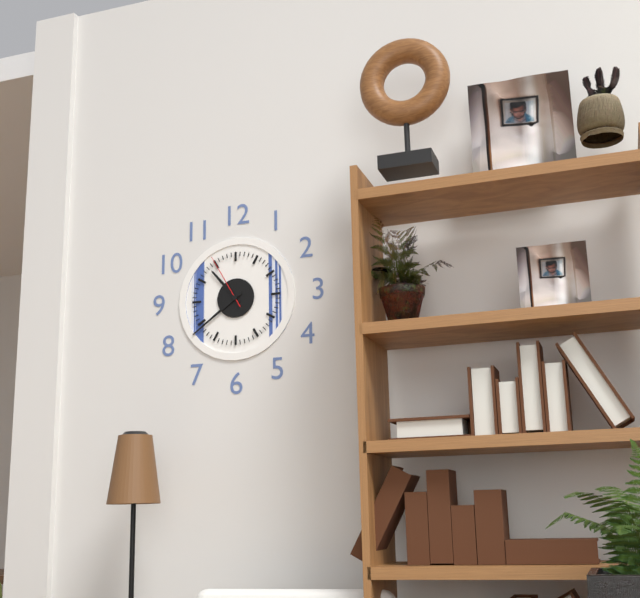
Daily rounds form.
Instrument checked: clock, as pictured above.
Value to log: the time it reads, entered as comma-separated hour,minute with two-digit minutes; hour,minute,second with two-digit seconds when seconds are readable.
10,39,55
